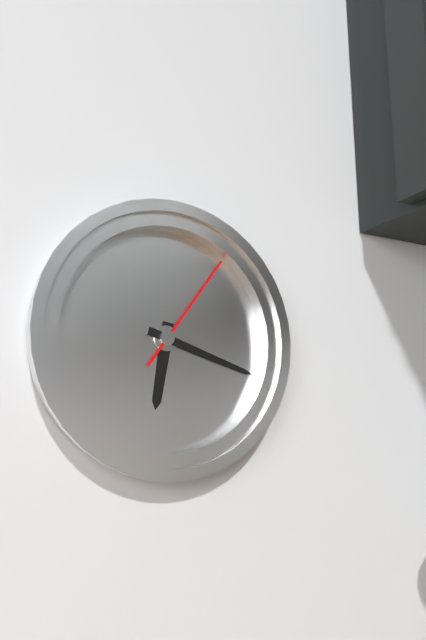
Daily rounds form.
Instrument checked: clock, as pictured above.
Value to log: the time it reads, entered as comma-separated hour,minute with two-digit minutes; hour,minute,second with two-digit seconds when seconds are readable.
6,18,06
